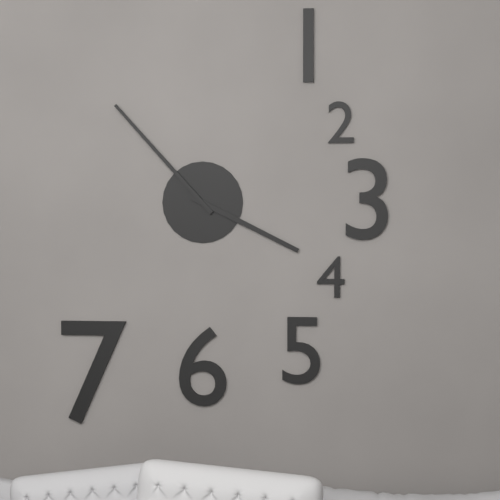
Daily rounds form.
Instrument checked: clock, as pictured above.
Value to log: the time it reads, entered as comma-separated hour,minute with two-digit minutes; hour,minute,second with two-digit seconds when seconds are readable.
3,53
